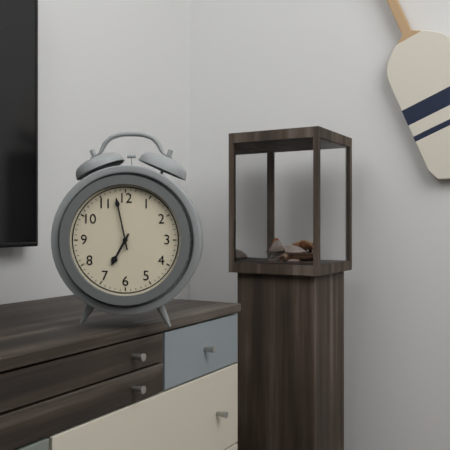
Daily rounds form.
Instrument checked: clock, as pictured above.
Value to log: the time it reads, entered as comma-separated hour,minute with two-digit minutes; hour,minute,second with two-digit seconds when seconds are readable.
6,58
